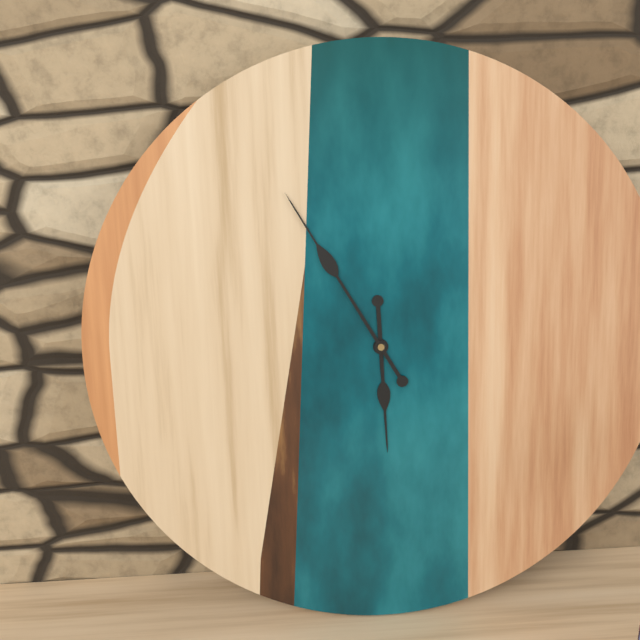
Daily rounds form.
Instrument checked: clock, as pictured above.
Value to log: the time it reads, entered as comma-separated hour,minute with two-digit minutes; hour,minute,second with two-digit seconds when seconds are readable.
5,55
